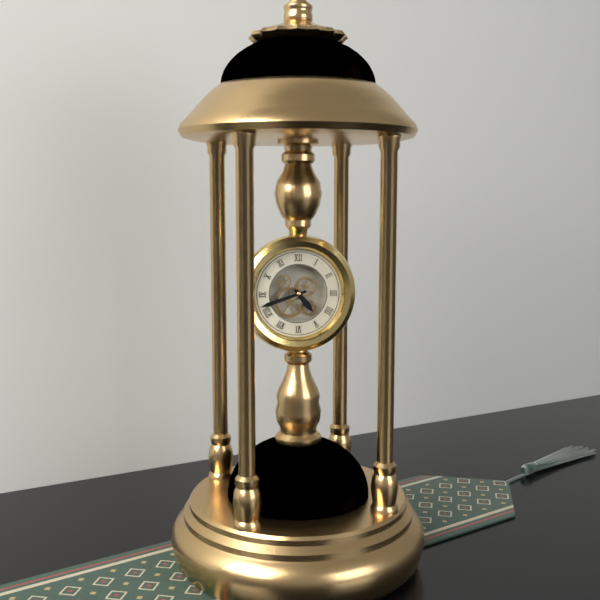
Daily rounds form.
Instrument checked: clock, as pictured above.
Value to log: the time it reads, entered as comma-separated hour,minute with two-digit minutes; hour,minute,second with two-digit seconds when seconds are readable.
4,42
